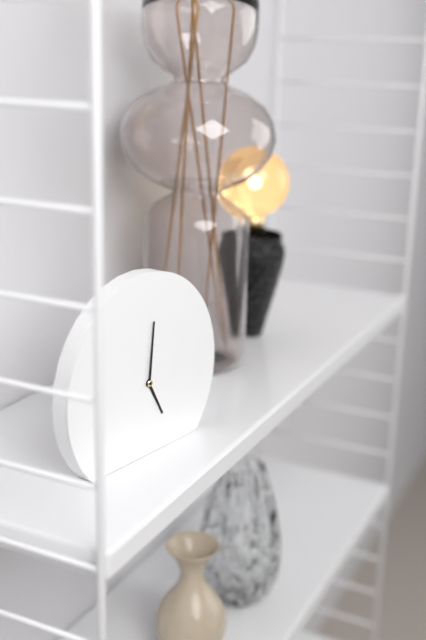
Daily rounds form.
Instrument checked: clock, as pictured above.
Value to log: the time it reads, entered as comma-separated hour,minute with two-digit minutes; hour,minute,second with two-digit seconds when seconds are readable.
5,01
